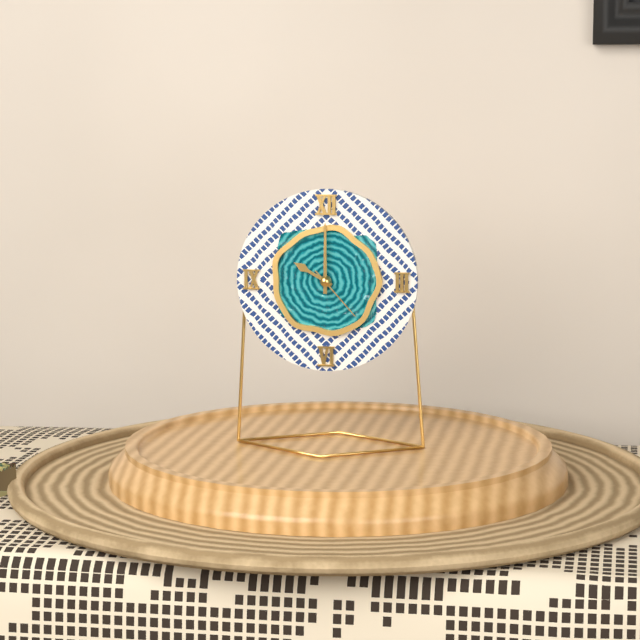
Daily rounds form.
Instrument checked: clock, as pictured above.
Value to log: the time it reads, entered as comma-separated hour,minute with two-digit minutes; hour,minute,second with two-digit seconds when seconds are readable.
10,00,23
